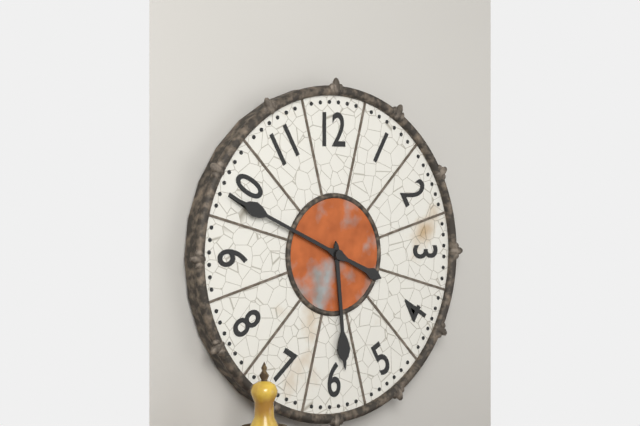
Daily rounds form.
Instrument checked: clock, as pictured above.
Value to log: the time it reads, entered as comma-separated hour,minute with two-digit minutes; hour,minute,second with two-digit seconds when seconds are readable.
5,49
